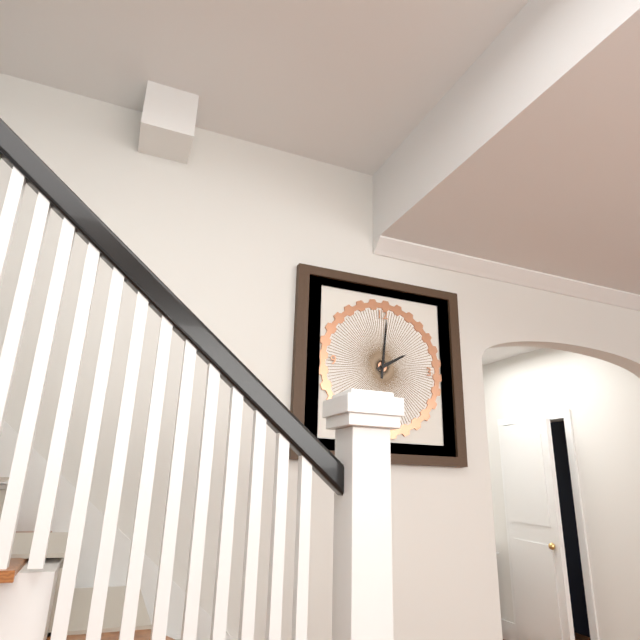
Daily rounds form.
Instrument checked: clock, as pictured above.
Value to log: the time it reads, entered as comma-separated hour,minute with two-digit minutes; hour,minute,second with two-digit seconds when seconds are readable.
2,01
